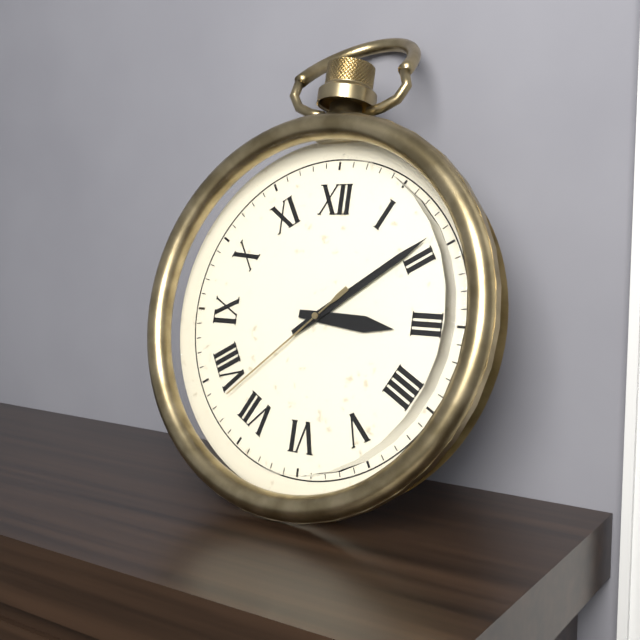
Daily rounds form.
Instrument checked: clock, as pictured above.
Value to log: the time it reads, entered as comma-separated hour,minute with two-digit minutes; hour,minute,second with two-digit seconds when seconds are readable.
3,09,38
